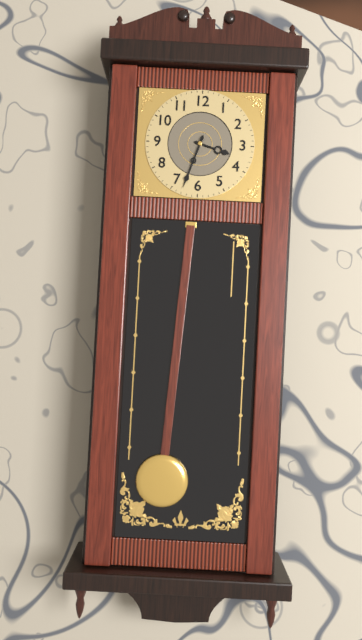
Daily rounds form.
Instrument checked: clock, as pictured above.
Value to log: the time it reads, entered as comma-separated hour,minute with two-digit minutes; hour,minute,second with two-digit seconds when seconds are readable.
3,33
